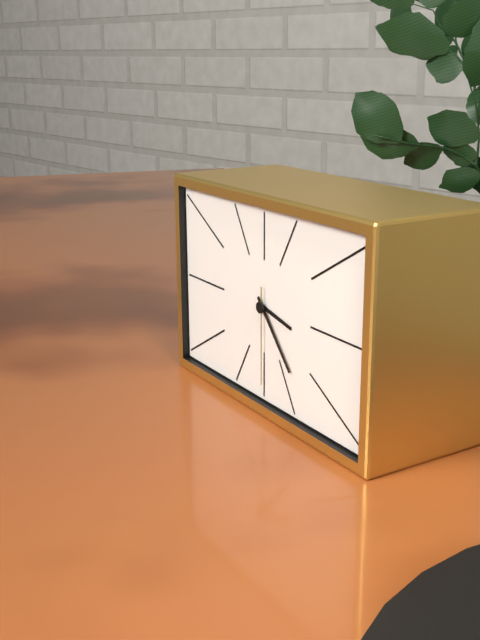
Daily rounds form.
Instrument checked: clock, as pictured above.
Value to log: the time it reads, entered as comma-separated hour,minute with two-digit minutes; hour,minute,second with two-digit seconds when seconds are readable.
3,23,30
